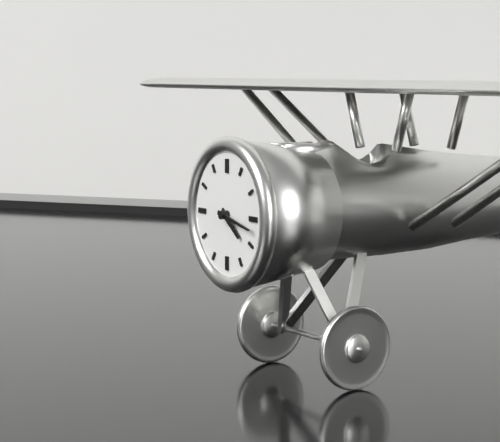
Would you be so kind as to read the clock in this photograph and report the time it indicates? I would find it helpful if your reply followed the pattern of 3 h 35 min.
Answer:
4 h 17 min
